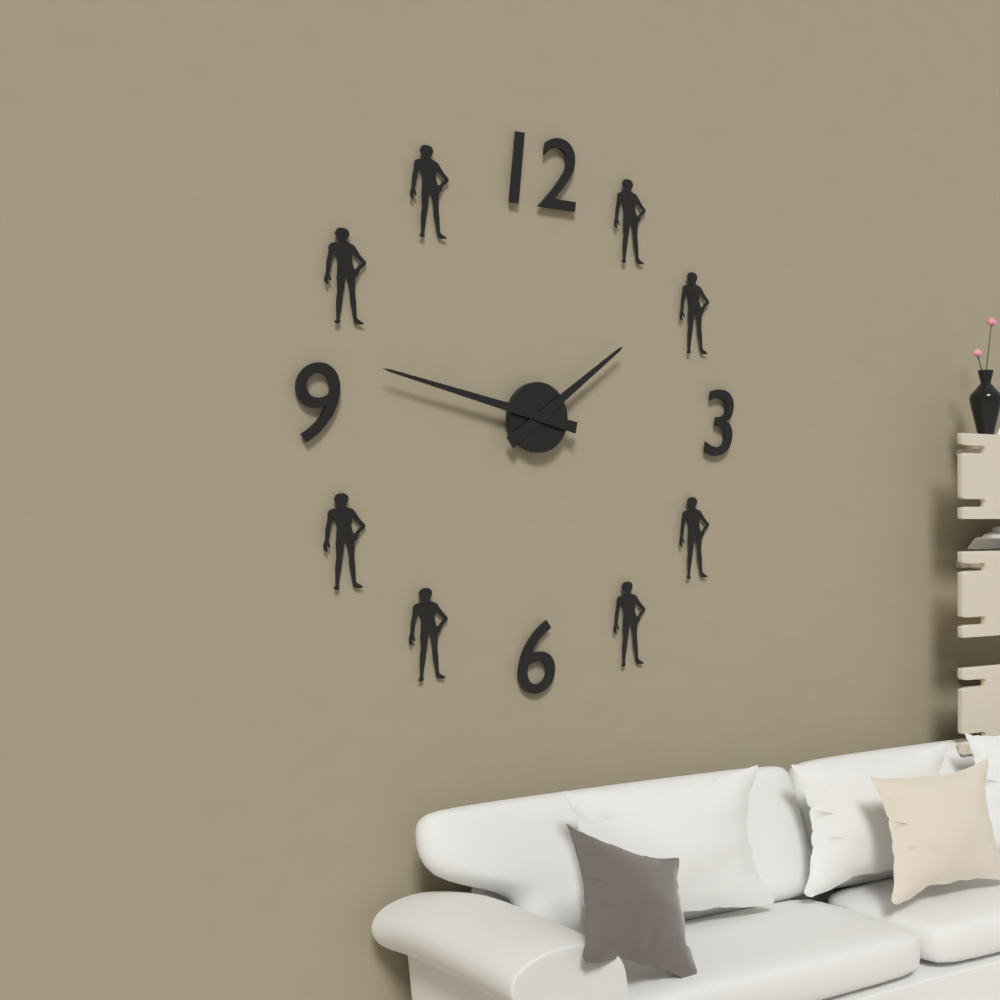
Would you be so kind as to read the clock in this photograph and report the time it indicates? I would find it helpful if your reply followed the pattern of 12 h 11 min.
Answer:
1 h 47 min
